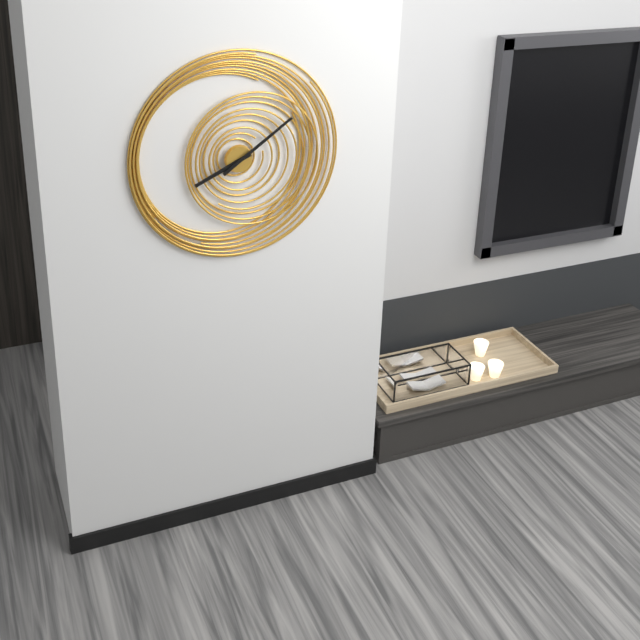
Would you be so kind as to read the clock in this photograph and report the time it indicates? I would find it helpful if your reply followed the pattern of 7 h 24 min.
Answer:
8 h 09 min
